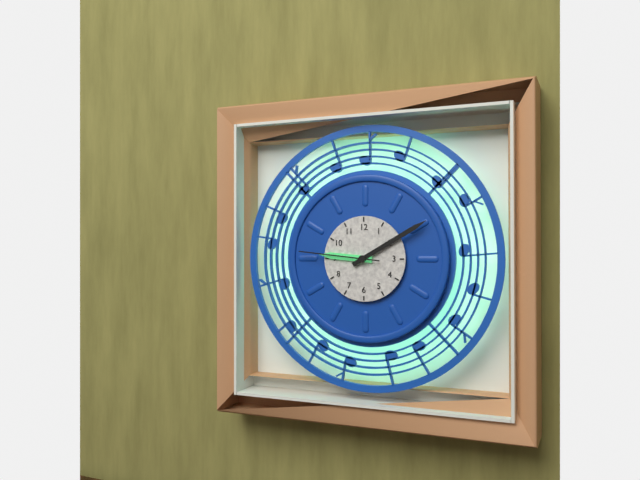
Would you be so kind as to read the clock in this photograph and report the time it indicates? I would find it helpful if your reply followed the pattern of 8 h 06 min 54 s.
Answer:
9 h 10 min 46 s
